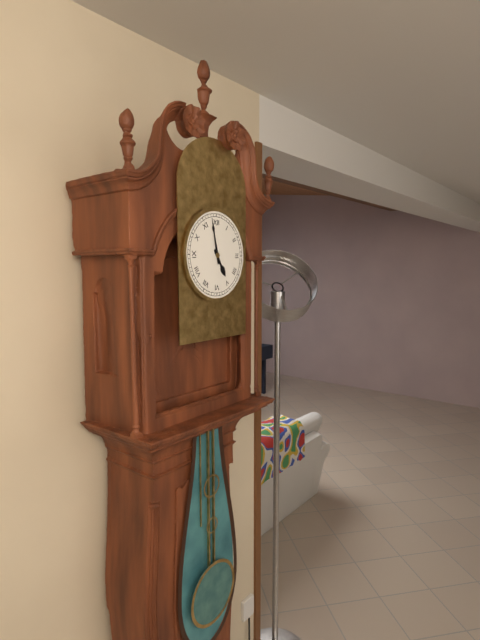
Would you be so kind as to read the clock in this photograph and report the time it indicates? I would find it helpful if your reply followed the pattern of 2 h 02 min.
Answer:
4 h 58 min
